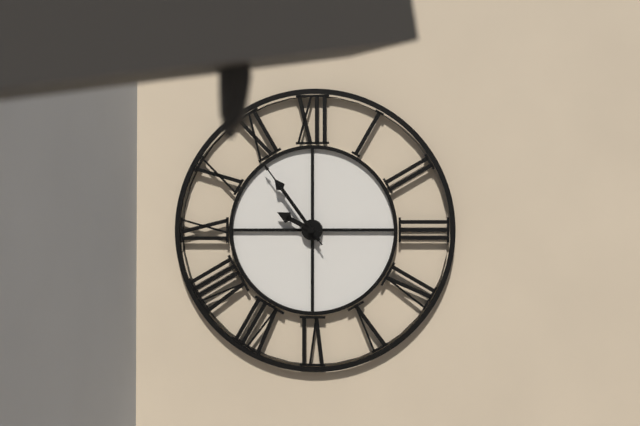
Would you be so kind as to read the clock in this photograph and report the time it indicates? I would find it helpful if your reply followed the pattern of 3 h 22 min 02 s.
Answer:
9 h 54 min 54 s
